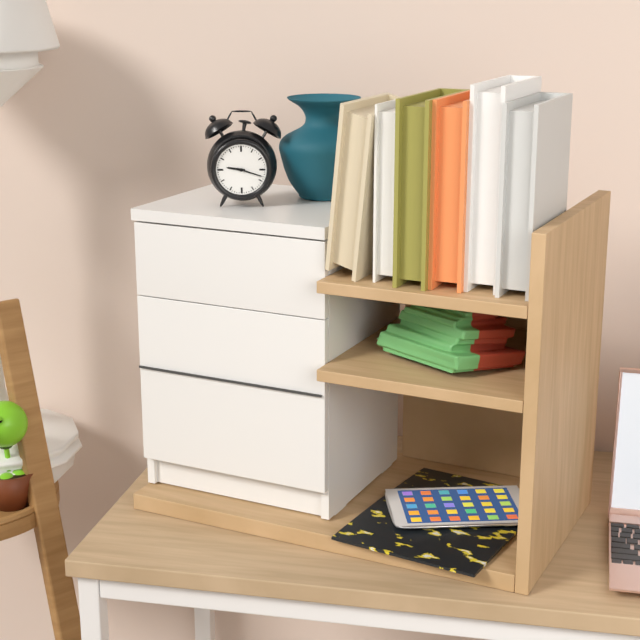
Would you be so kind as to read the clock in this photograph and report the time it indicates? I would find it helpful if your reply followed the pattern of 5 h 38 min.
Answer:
9 h 18 min
